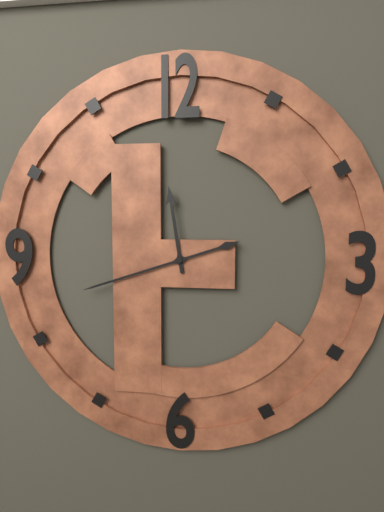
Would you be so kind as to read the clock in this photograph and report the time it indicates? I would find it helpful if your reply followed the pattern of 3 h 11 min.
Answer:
11 h 42 min
